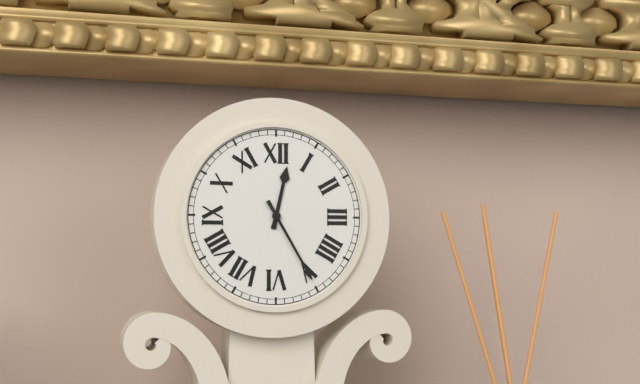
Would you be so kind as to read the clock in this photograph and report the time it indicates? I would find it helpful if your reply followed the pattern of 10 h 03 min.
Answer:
12 h 25 min
